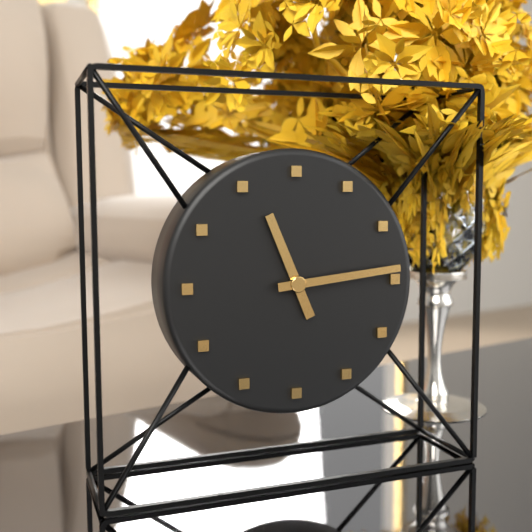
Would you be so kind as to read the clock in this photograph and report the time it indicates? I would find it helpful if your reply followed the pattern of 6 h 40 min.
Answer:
11 h 14 min
